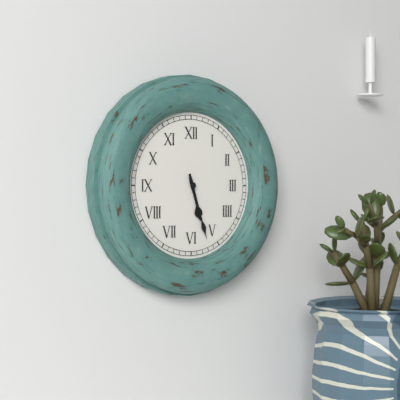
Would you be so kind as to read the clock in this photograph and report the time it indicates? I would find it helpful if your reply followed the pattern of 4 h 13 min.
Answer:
5 h 27 min
